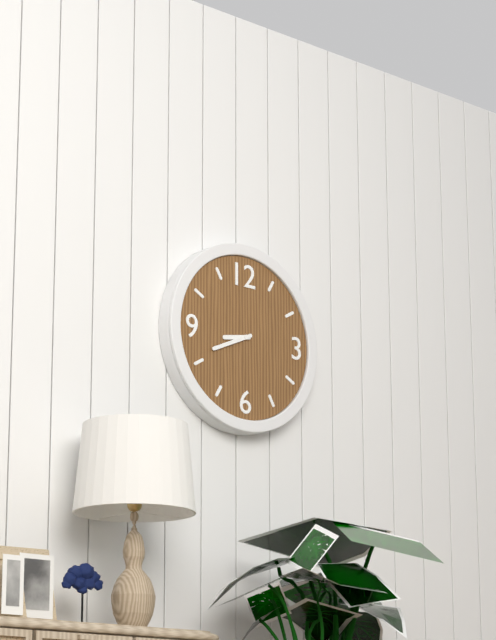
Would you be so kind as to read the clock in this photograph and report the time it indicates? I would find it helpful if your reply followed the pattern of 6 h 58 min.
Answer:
8 h 41 min
